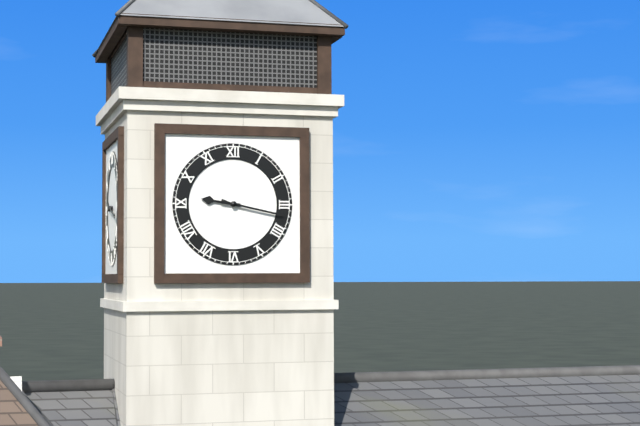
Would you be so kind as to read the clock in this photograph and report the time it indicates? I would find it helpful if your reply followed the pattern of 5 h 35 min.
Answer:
9 h 17 min
